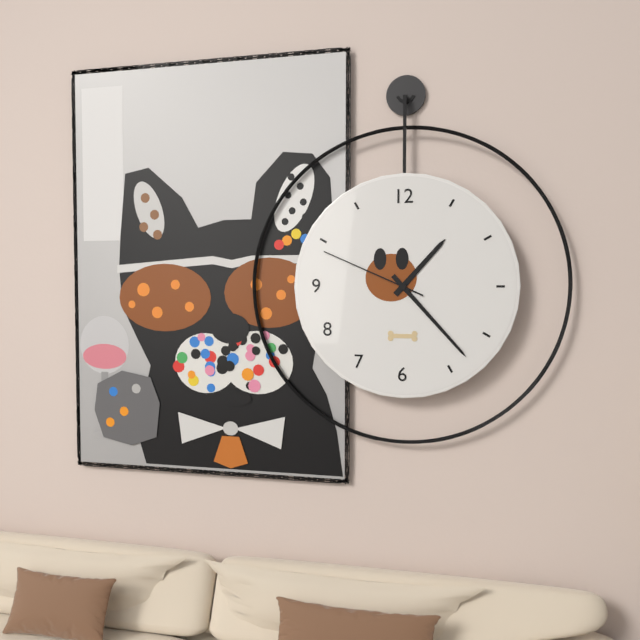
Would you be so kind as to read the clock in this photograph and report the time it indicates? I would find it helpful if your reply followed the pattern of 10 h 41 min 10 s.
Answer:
1 h 23 min 49 s
